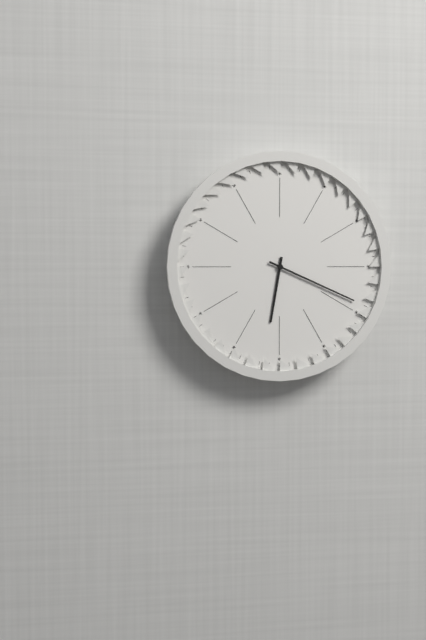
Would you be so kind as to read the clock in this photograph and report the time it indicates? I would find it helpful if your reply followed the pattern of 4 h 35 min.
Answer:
6 h 19 min
